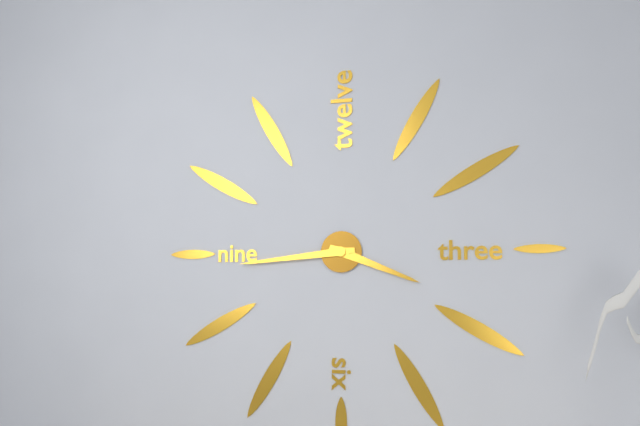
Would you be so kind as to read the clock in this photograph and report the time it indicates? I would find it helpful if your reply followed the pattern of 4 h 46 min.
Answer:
3 h 44 min
